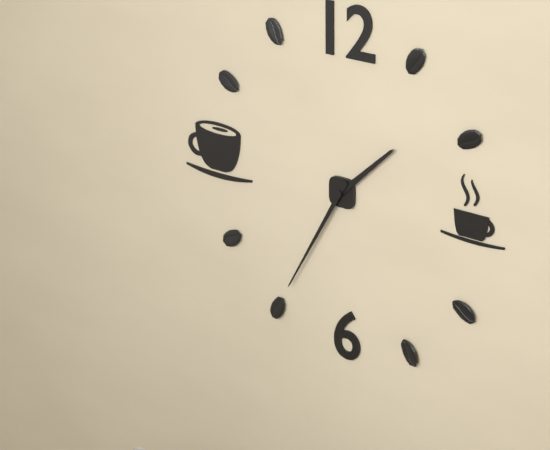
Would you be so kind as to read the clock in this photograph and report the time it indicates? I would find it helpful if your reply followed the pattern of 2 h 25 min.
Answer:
1 h 35 min
